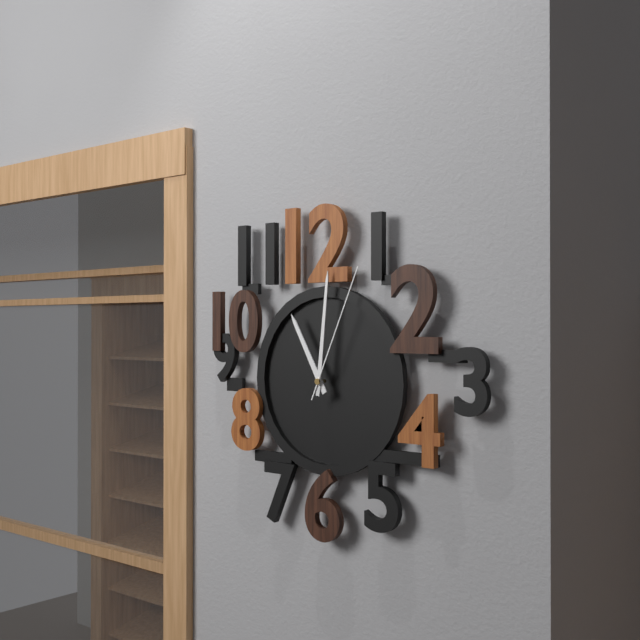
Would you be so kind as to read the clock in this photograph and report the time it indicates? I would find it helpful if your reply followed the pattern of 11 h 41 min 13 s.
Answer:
11 h 01 min 04 s
